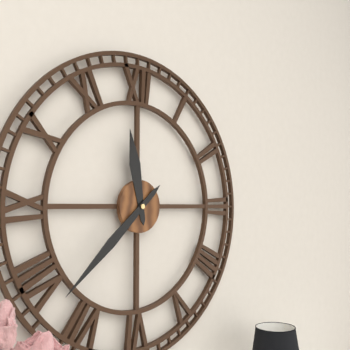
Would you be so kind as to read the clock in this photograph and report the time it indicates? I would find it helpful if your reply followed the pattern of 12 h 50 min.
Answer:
11 h 38 min
